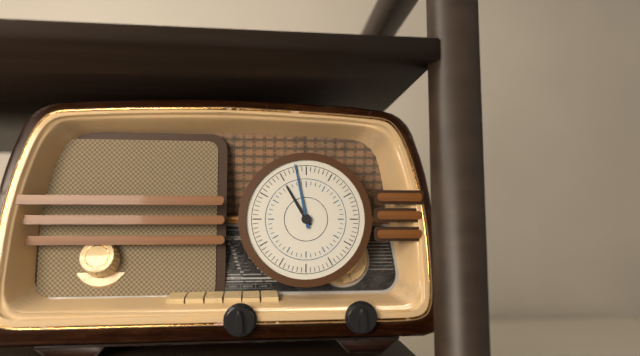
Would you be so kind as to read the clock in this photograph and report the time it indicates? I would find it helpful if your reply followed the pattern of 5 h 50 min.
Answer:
10 h 58 min
